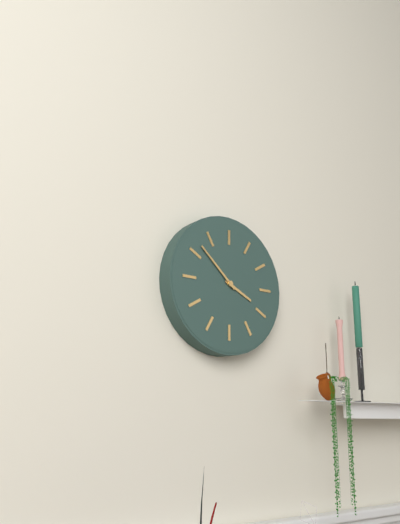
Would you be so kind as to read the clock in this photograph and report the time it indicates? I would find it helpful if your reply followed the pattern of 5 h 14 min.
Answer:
3 h 52 min
